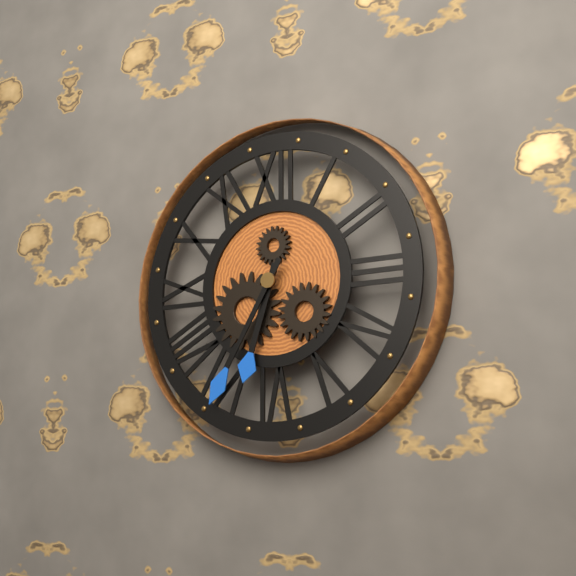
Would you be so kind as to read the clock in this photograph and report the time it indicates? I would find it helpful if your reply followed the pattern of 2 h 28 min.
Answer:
6 h 35 min
